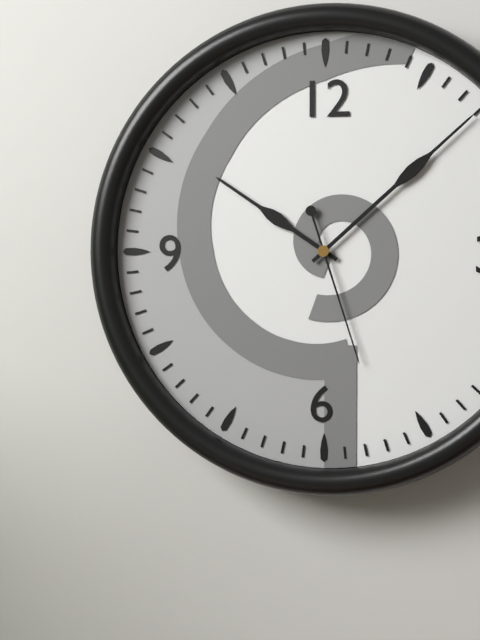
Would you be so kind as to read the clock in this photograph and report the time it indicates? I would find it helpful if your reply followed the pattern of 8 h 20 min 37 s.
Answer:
10 h 08 min 27 s
